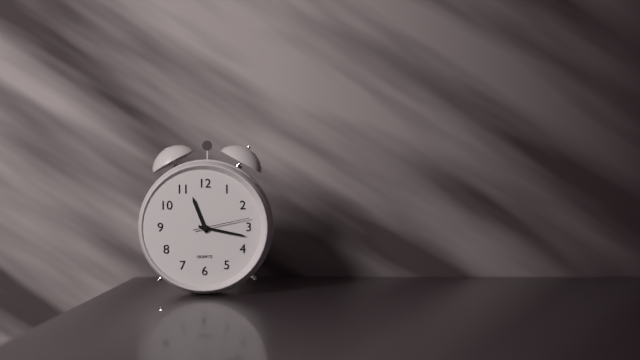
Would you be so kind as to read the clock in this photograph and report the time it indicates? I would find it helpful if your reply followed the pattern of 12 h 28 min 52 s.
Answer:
11 h 17 min 13 s
